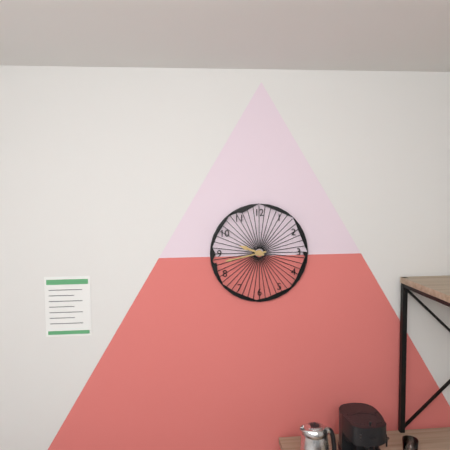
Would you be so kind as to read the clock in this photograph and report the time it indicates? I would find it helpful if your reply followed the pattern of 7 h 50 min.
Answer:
9 h 43 min
